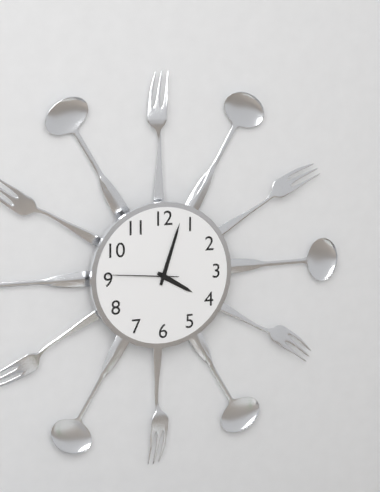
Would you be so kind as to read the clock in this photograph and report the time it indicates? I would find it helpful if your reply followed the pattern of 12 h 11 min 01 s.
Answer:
4 h 03 min 46 s
